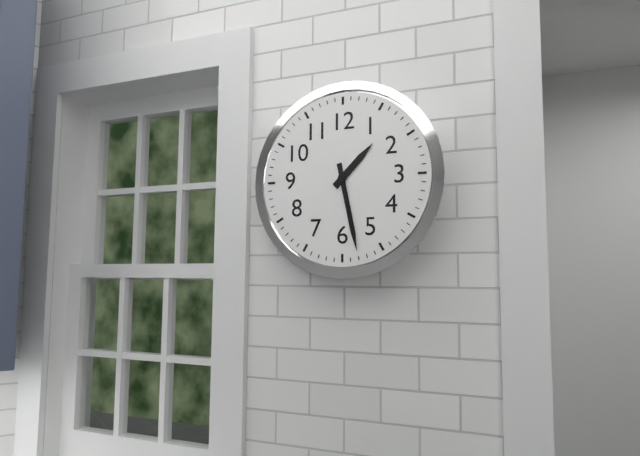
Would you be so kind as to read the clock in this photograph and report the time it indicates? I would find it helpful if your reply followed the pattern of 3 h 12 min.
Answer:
1 h 28 min
